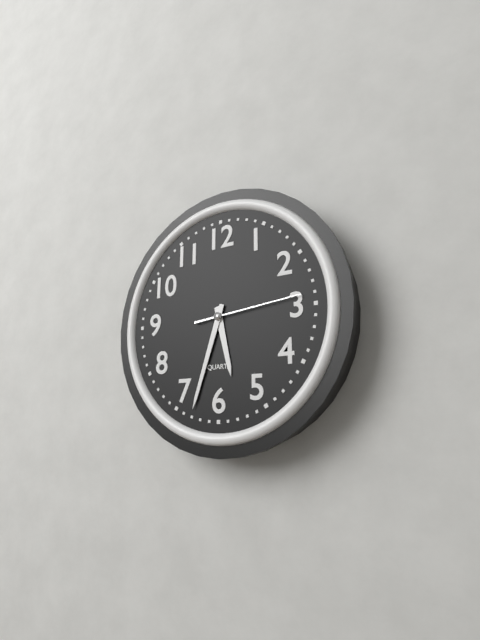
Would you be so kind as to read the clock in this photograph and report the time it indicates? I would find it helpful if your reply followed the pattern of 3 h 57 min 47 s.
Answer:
5 h 33 min 14 s
